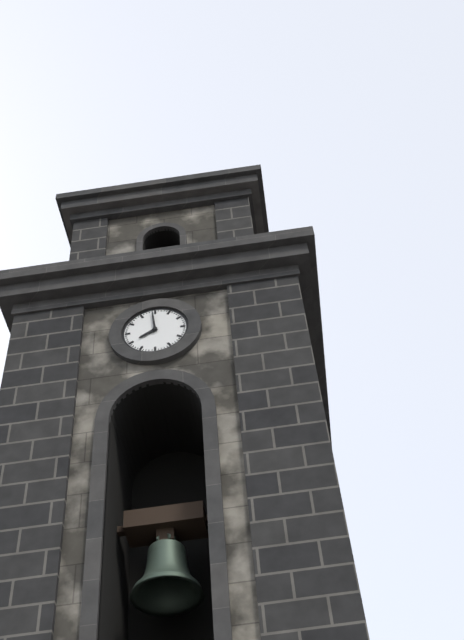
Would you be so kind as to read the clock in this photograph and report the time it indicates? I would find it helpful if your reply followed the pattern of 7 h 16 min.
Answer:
7 h 59 min
